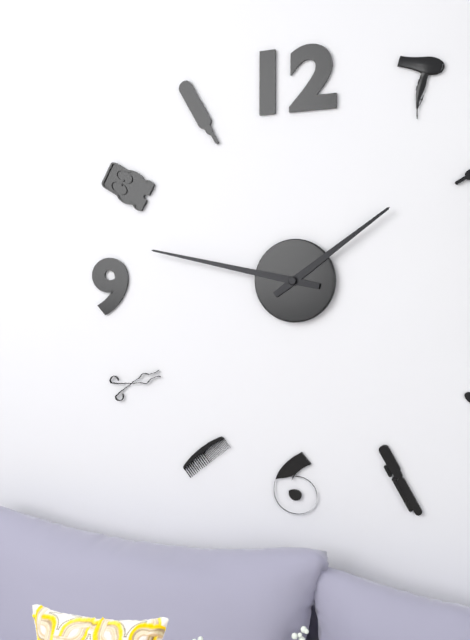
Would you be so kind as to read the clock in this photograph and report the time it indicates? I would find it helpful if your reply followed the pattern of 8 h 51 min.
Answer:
1 h 47 min
